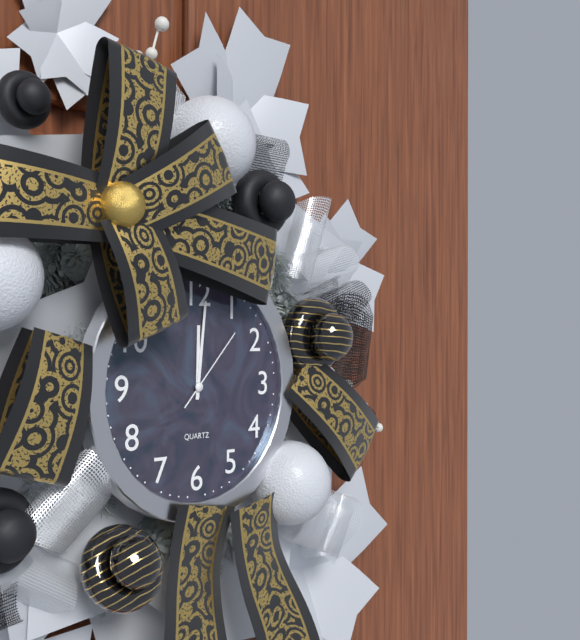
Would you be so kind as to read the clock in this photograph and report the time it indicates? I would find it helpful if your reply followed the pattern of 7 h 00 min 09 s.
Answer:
12 h 01 min 07 s
